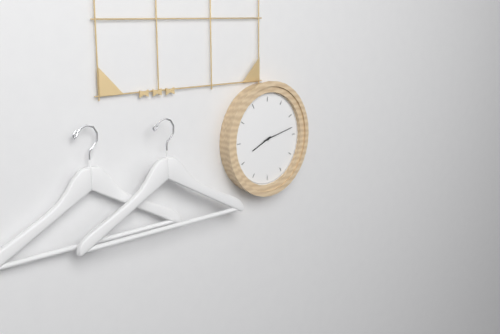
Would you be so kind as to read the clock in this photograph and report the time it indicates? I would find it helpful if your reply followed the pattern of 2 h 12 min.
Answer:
8 h 13 min
